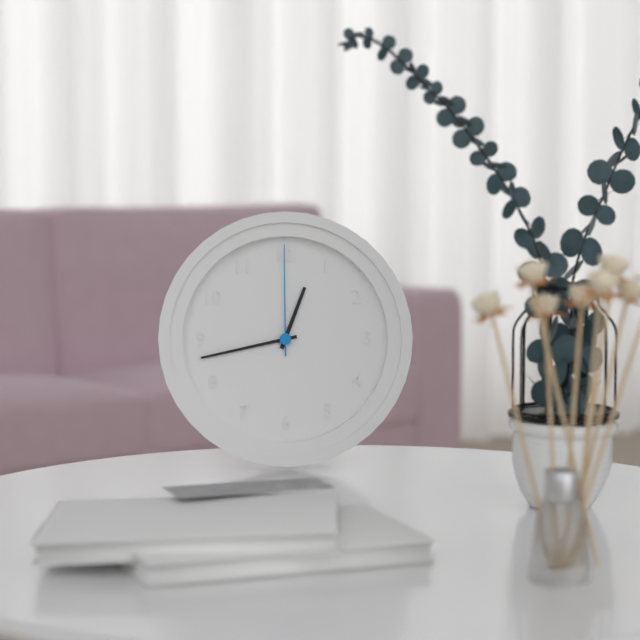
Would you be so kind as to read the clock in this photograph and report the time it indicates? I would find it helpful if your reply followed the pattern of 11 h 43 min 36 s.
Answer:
12 h 43 min 00 s
